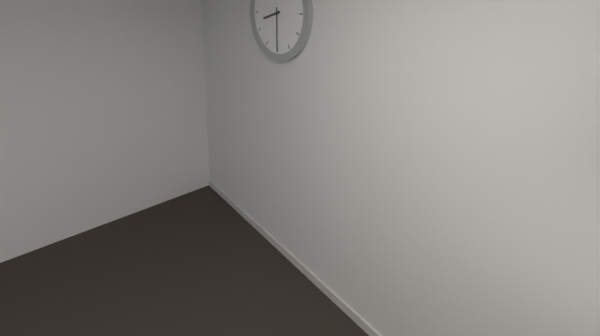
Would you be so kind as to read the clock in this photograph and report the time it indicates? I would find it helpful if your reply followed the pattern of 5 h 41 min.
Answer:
8 h 30 min
